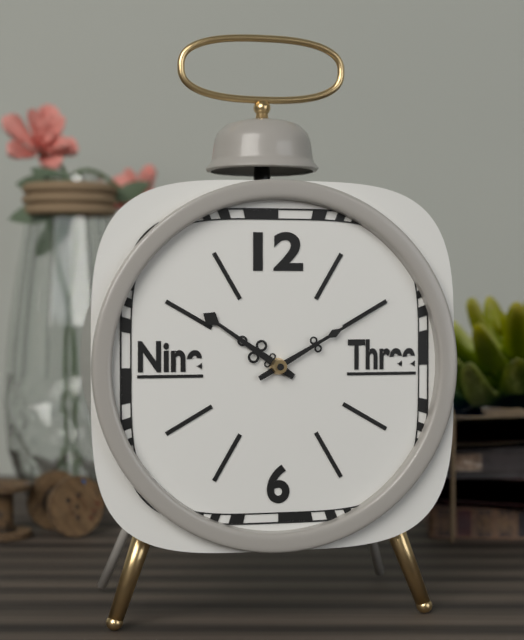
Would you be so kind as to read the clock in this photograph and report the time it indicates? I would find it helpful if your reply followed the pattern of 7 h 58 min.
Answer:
10 h 10 min
